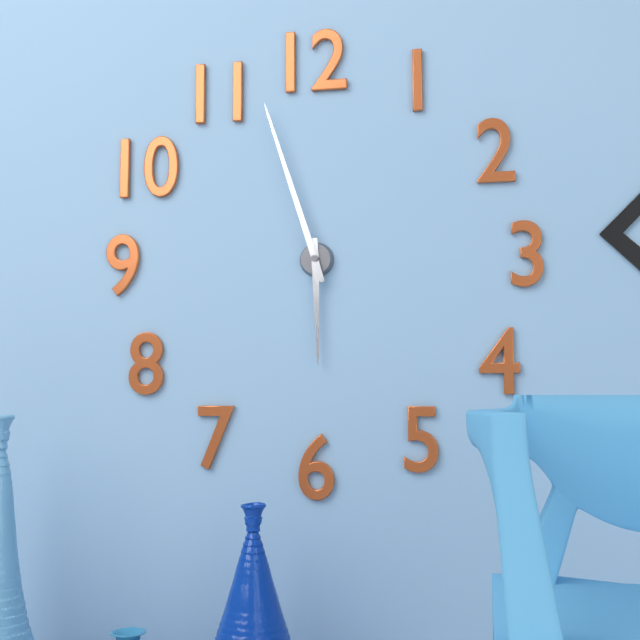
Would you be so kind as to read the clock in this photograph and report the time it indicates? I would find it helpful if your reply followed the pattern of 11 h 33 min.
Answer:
5 h 57 min
